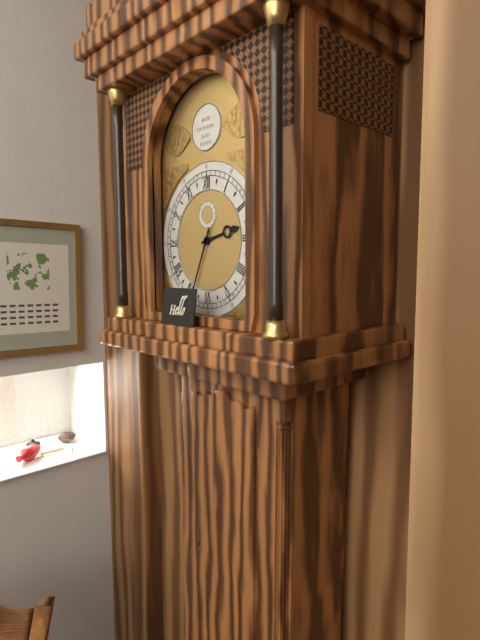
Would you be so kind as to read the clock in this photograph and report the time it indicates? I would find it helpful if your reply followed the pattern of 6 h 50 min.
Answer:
2 h 34 min
